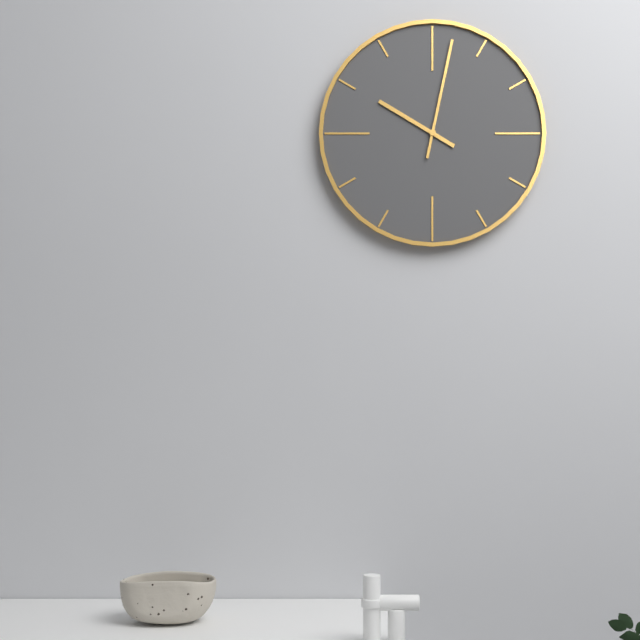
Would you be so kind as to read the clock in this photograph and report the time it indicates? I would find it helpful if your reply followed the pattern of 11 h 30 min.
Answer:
10 h 02 min
